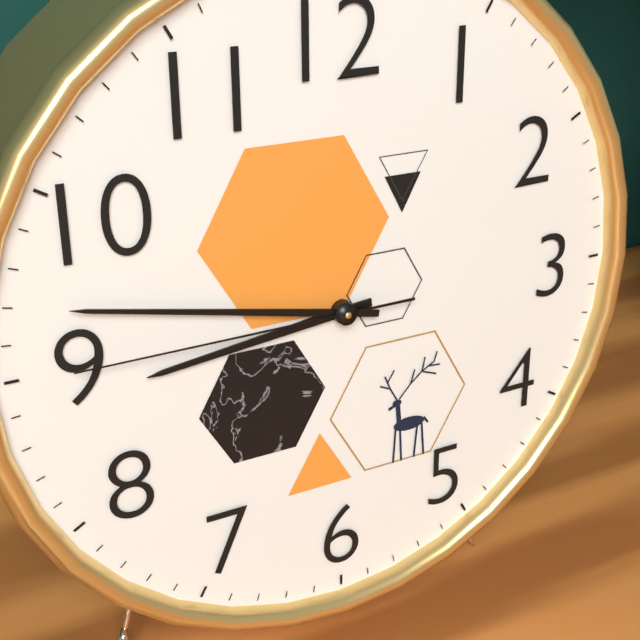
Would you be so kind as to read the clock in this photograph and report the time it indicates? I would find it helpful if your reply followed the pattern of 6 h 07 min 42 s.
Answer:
8 h 47 min 45 s
